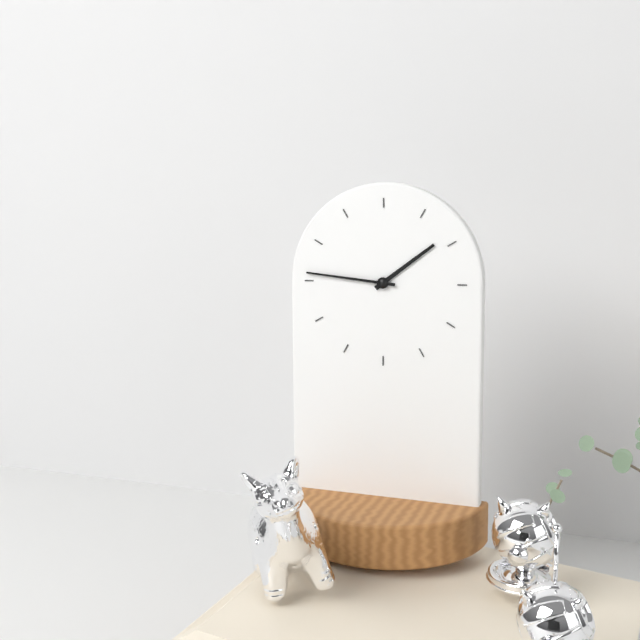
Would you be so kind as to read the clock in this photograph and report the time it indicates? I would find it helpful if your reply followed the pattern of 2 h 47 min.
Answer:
1 h 46 min
